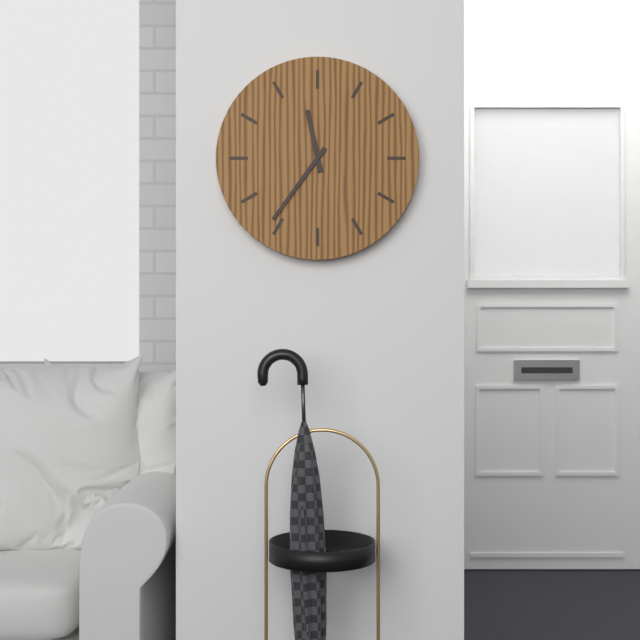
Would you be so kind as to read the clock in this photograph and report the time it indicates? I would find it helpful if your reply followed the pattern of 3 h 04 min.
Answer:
11 h 36 min
